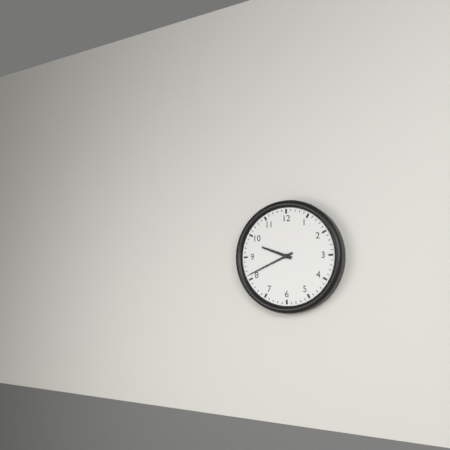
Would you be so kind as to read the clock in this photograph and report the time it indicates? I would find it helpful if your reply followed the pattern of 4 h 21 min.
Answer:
9 h 41 min
